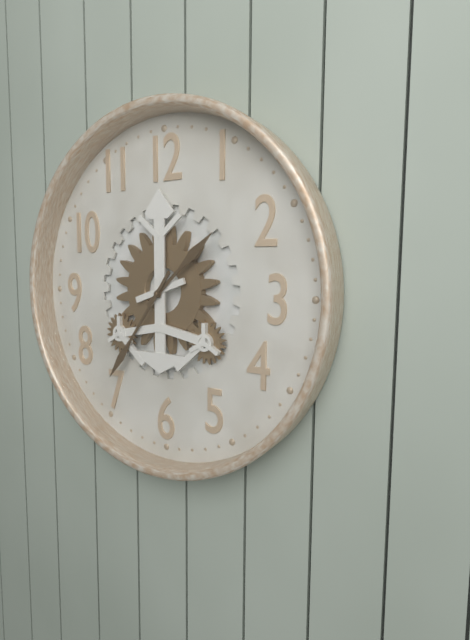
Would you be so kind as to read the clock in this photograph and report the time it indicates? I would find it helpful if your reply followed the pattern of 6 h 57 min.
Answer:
1 h 36 min
